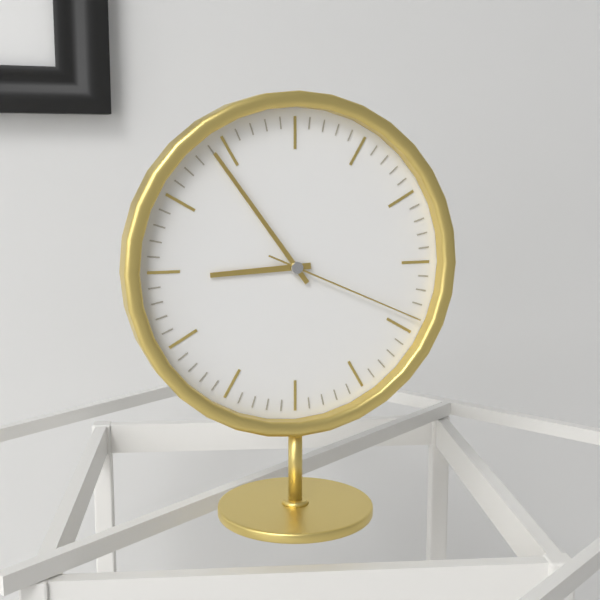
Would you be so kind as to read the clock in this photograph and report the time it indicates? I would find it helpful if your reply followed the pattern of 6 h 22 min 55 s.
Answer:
8 h 54 min 19 s
